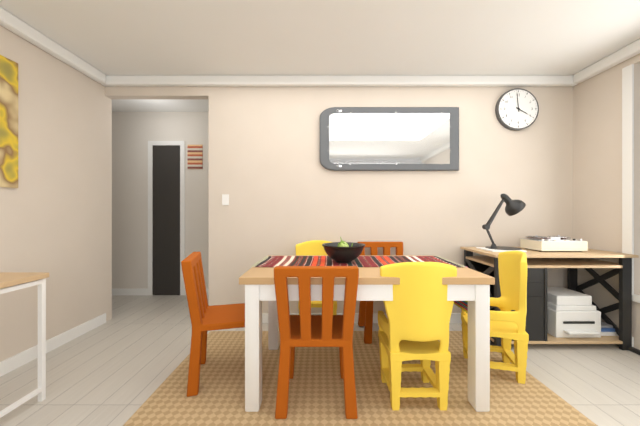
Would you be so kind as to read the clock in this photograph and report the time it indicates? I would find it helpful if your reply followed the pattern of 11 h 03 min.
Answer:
3 h 59 min
